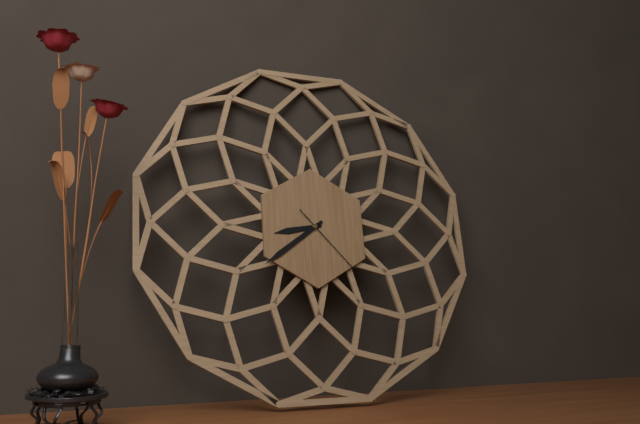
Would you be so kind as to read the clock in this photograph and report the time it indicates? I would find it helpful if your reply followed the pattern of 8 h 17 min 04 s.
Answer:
8 h 39 min 23 s
